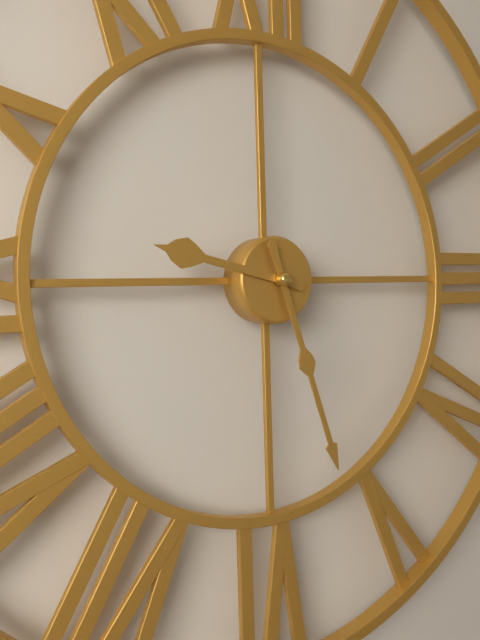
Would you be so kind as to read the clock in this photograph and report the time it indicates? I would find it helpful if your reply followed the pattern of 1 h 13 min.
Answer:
9 h 27 min
